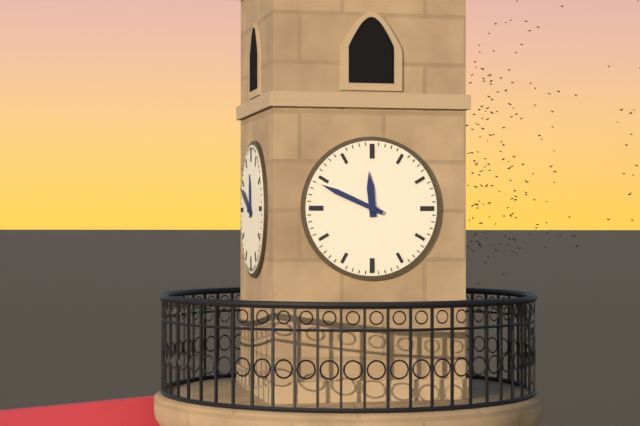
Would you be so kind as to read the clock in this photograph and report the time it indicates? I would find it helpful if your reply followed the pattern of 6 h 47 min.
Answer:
11 h 49 min
